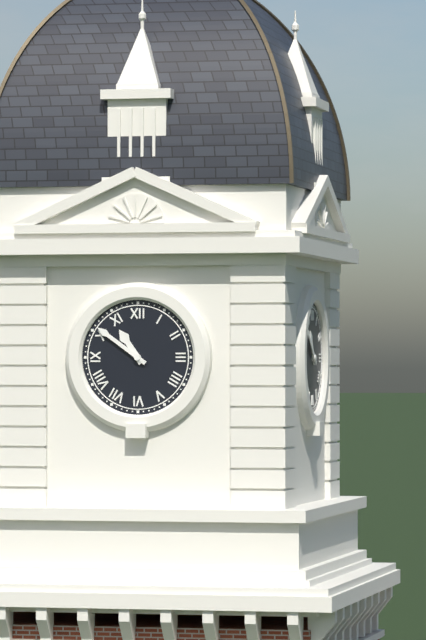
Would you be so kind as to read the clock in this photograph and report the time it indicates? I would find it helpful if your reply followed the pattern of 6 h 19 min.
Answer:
10 h 51 min
